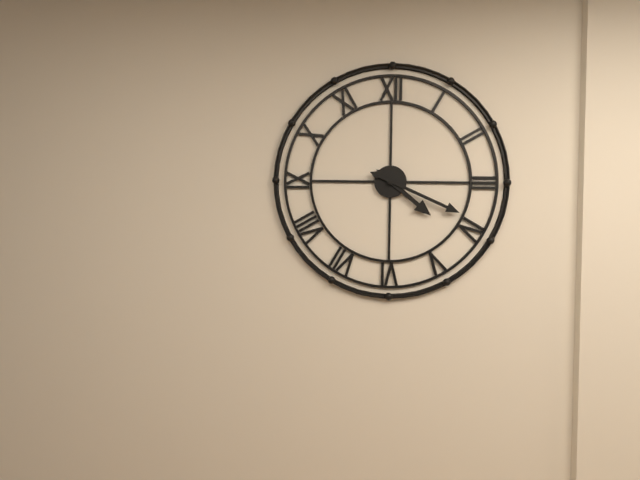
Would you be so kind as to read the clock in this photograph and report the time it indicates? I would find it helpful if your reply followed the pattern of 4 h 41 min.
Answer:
4 h 19 min
